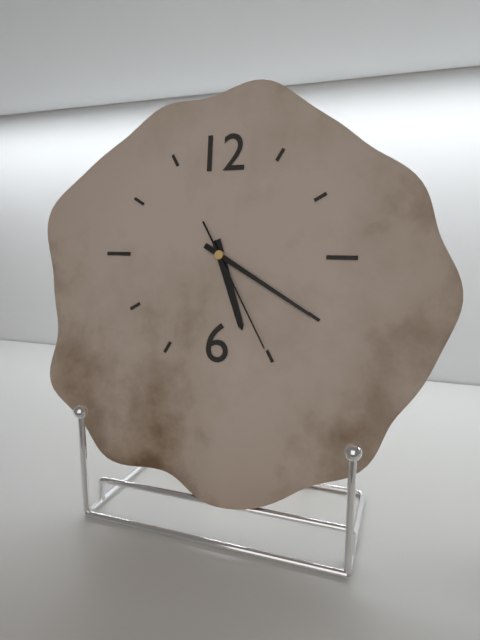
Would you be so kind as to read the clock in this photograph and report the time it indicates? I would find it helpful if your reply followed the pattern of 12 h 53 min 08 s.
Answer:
5 h 20 min 25 s
